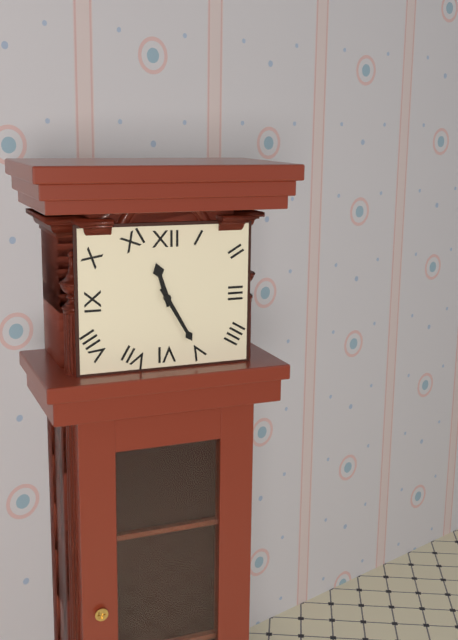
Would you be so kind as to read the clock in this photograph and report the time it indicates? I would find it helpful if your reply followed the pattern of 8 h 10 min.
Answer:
11 h 25 min
